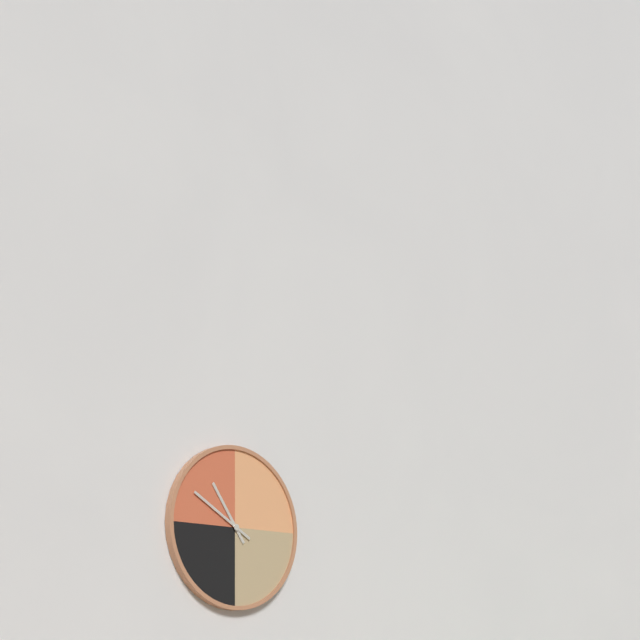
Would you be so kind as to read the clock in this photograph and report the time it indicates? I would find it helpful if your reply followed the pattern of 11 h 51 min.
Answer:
10 h 50 min
